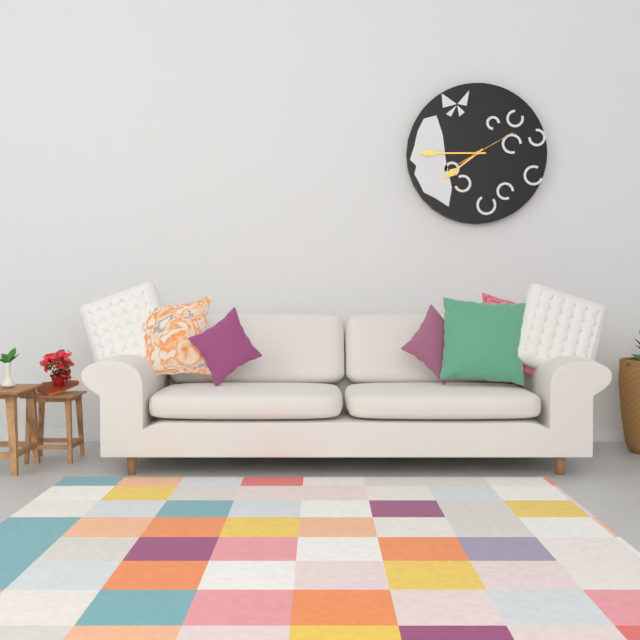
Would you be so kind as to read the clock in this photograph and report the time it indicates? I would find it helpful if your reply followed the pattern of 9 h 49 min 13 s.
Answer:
7 h 45 min 10 s
